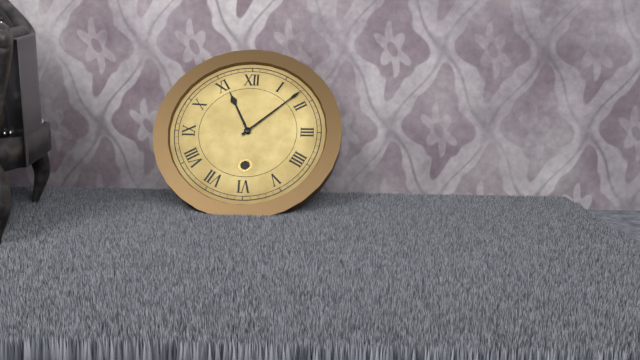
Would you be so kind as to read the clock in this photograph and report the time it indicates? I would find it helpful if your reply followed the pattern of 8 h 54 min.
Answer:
11 h 08 min
